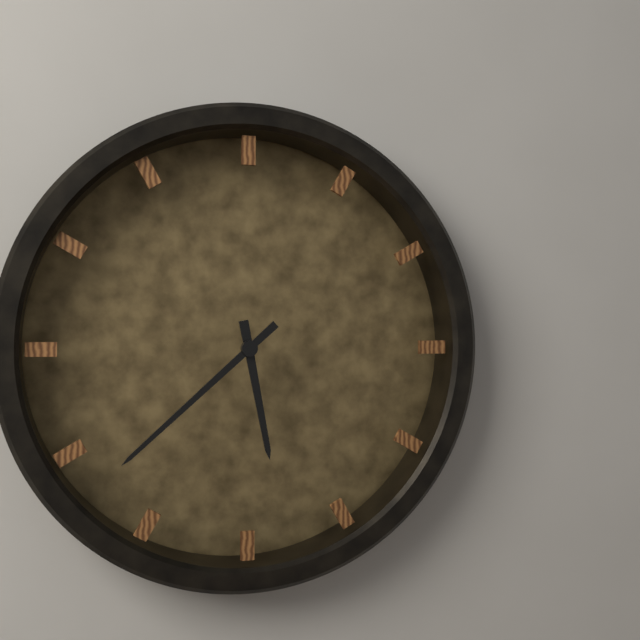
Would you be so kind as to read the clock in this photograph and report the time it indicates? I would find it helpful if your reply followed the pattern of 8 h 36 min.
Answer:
5 h 38 min
